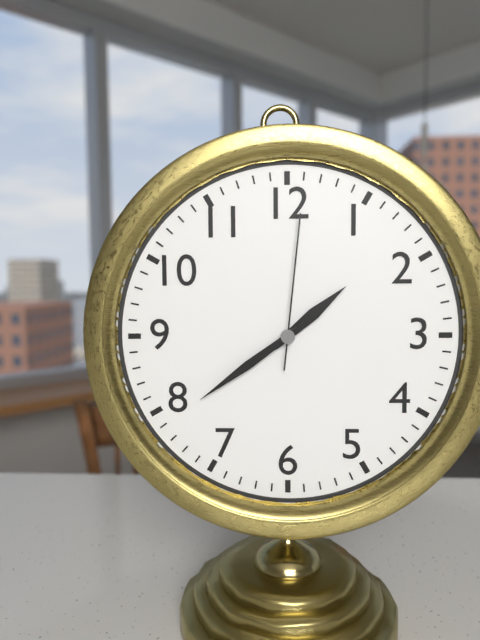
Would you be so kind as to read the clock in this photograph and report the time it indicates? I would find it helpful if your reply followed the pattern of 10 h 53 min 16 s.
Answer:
1 h 39 min 01 s
